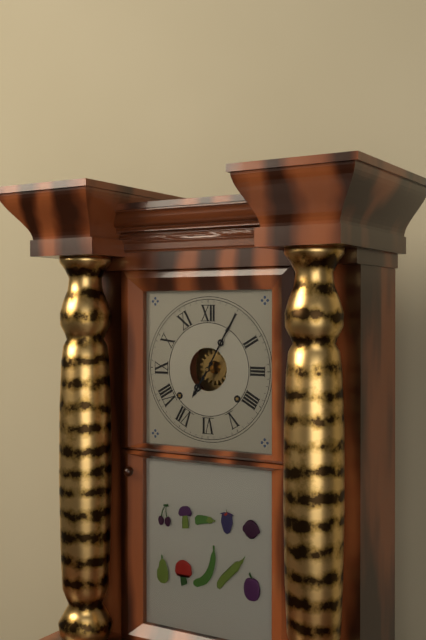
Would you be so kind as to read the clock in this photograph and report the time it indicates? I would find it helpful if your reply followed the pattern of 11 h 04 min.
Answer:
7 h 05 min
